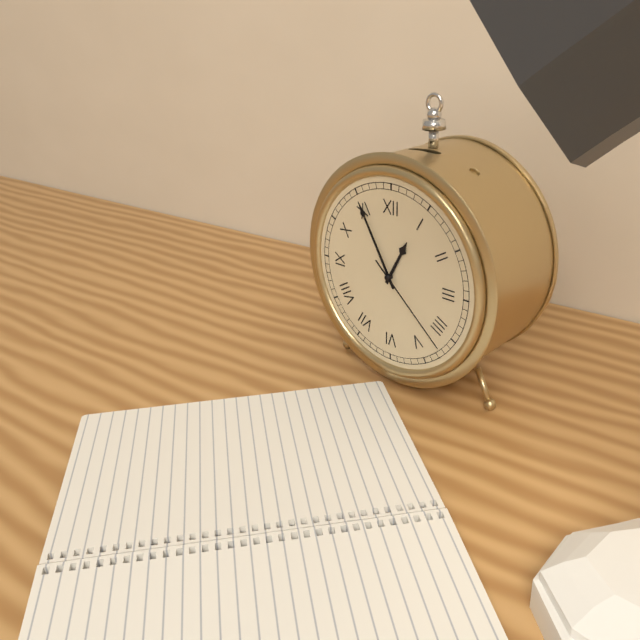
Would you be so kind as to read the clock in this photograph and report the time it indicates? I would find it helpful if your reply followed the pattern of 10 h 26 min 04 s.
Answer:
12 h 55 min 22 s
